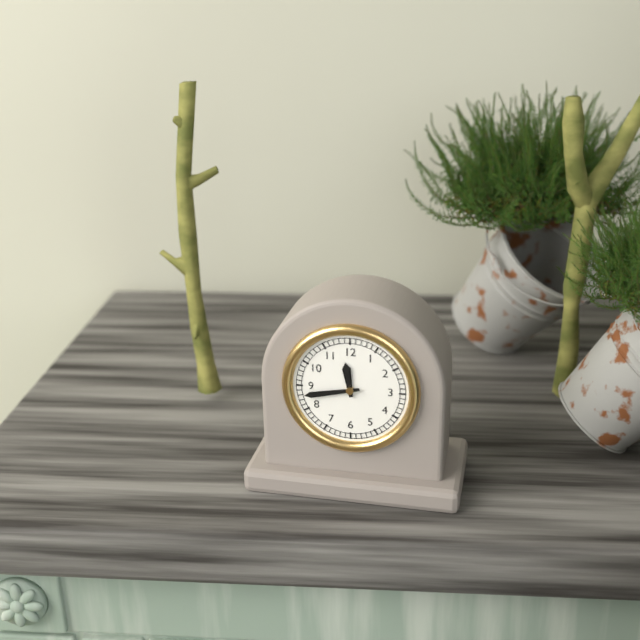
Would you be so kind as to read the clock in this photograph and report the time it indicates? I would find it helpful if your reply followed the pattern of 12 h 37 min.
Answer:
11 h 43 min
